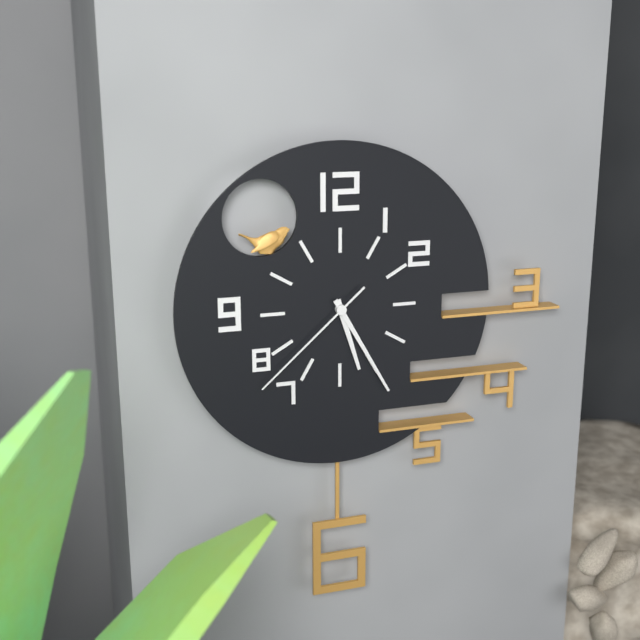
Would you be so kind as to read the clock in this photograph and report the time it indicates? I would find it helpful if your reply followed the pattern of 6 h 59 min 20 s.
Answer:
5 h 25 min 38 s
